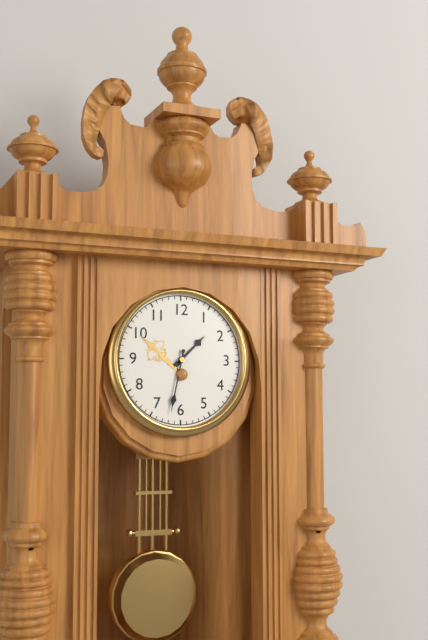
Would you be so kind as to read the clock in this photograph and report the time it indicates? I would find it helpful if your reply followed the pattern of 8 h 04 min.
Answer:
1 h 32 min
